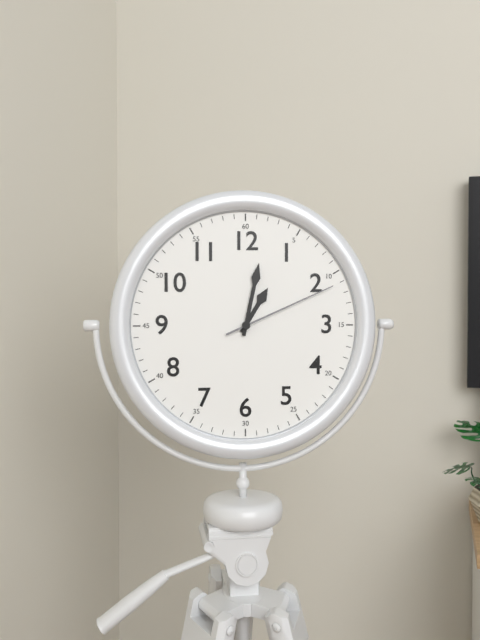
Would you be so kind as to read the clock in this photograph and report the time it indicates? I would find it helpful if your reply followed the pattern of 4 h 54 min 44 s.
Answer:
1 h 02 min 11 s
